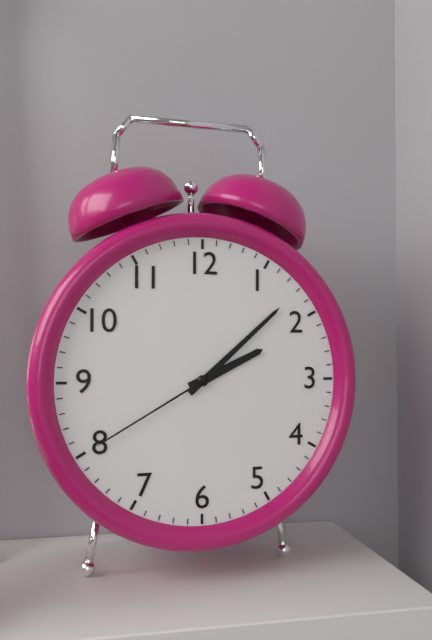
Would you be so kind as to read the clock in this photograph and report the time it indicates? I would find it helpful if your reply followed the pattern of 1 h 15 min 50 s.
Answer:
2 h 08 min 40 s
